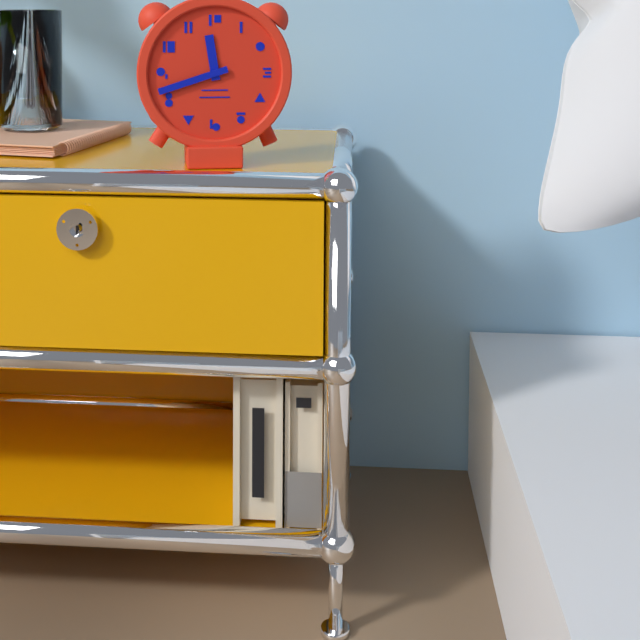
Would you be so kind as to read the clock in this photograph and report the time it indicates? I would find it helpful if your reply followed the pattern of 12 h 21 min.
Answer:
11 h 42 min
